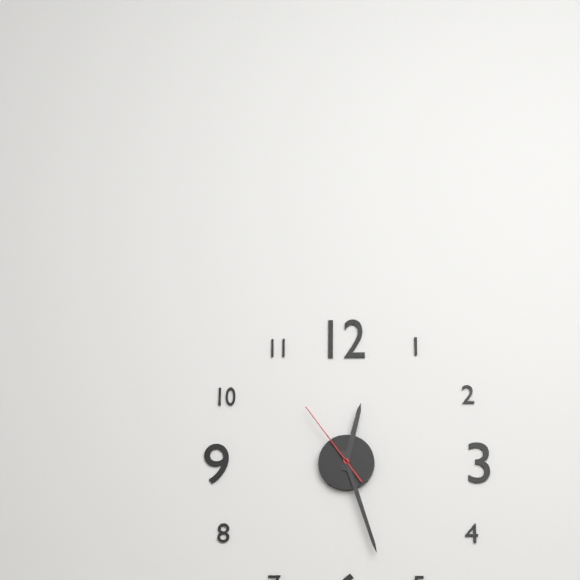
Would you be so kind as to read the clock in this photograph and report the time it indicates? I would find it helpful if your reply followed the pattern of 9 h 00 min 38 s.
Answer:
12 h 27 min 54 s
